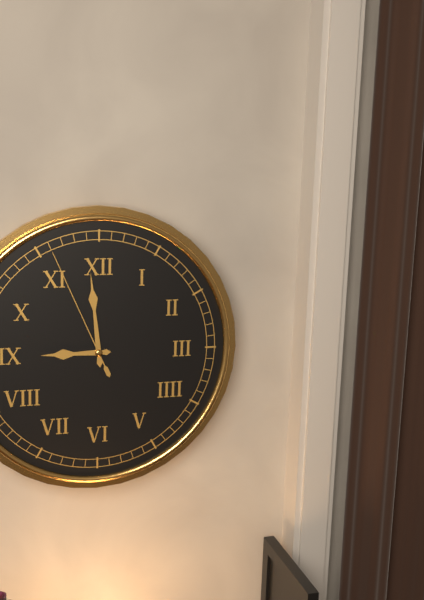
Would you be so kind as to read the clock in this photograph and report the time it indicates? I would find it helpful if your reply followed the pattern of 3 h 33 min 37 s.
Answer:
8 h 59 min 56 s
